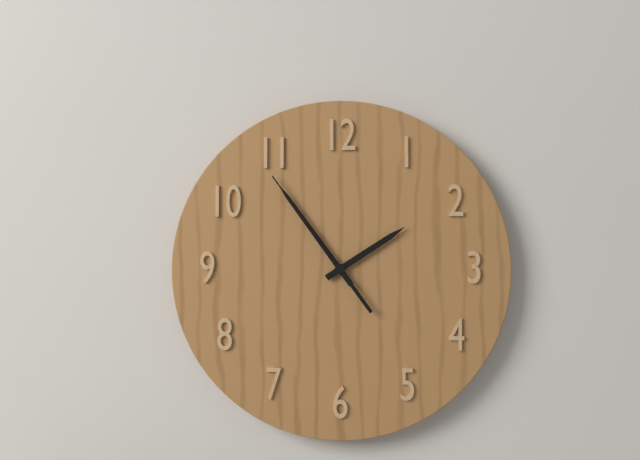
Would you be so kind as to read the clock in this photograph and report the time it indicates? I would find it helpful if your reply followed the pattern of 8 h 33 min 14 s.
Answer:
1 h 54 min 54 s
